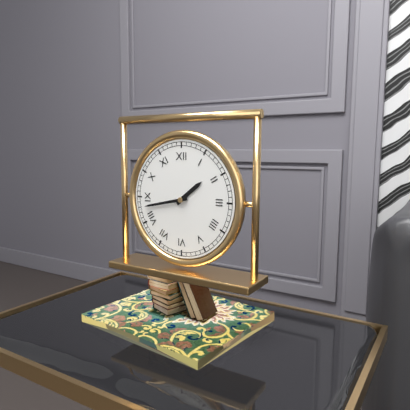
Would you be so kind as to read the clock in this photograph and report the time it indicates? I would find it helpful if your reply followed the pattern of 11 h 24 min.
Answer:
1 h 43 min
